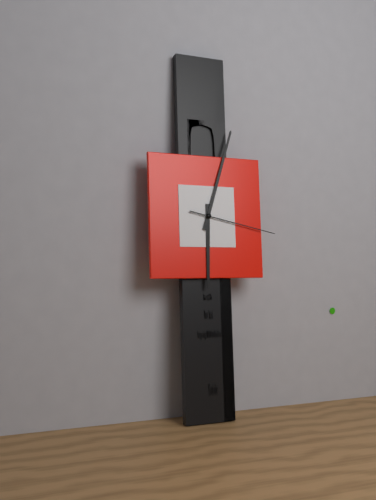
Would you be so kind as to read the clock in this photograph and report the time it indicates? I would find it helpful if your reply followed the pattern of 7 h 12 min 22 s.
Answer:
6 h 03 min 17 s
